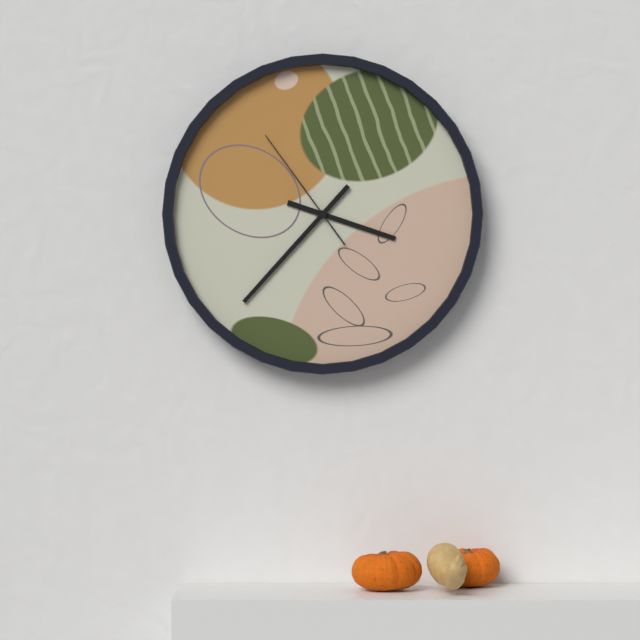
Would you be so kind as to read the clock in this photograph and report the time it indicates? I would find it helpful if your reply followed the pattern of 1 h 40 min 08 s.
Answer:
3 h 37 min 54 s
